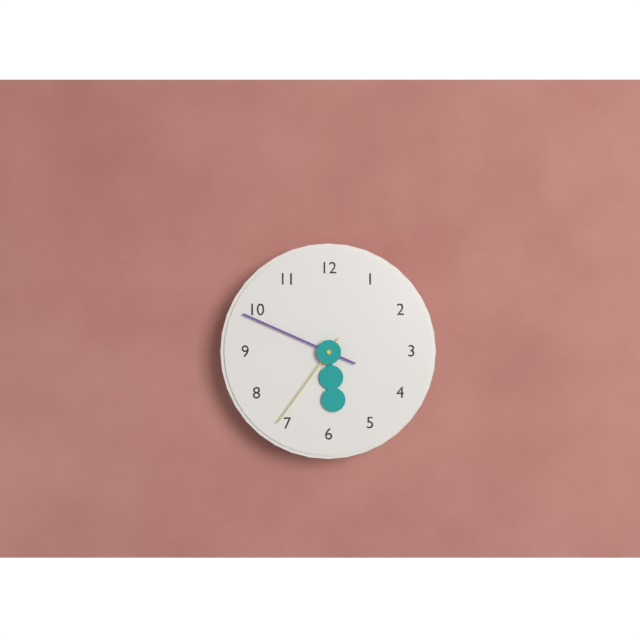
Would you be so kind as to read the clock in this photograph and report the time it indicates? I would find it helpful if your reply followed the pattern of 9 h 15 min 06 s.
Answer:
5 h 49 min 36 s
